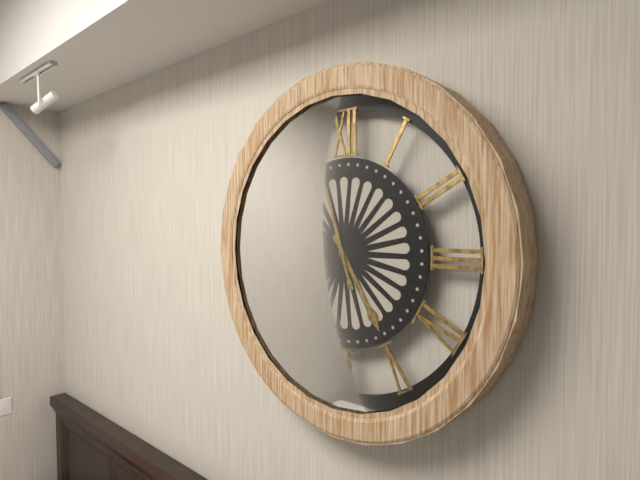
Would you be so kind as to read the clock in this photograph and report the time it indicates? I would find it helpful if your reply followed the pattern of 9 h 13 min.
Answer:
4 h 57 min
